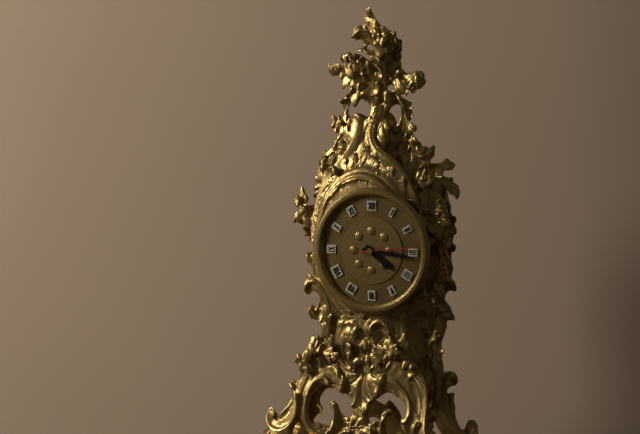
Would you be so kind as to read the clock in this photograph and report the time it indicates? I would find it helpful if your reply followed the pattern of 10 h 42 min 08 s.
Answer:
4 h 16 min 14 s
